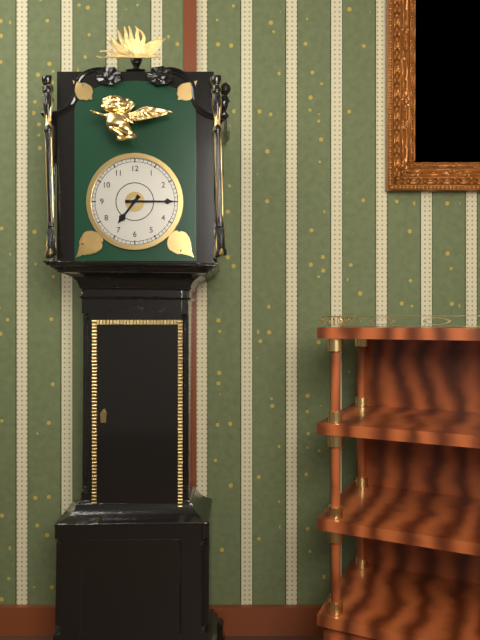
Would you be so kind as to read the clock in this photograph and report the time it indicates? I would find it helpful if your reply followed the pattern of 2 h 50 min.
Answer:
7 h 15 min
